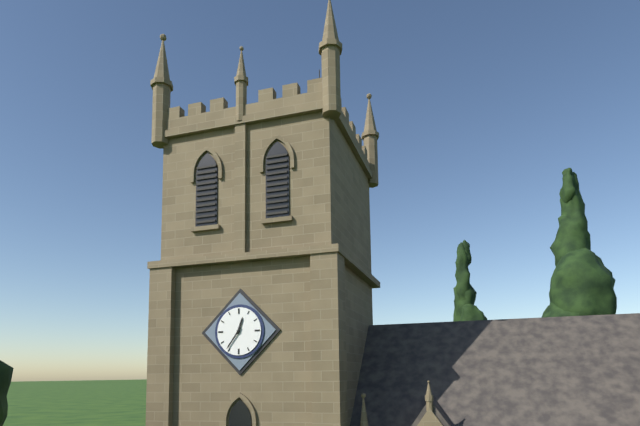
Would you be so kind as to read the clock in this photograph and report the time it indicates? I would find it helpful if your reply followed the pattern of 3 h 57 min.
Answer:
12 h 36 min
